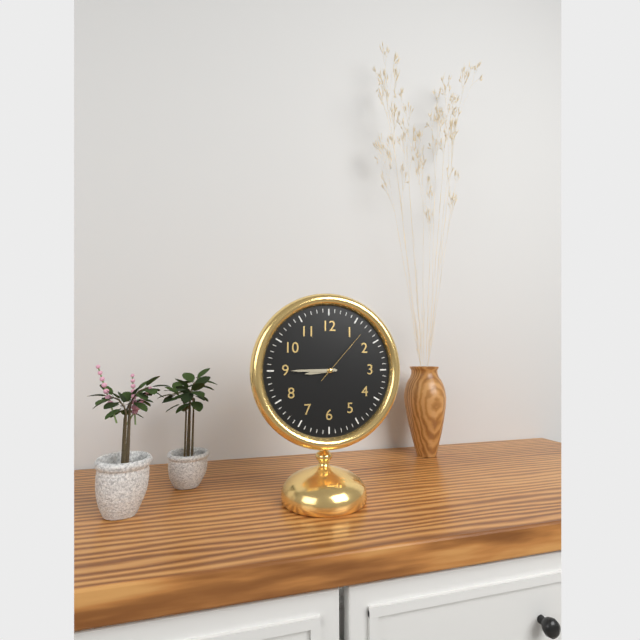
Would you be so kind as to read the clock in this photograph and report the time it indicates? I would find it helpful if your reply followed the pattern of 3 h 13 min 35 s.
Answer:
8 h 45 min 07 s
